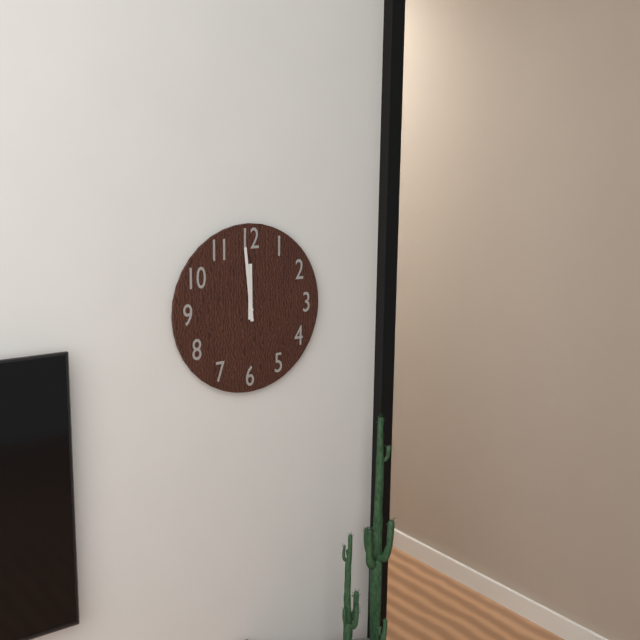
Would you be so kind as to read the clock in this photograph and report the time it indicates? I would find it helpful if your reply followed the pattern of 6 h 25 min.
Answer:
11 h 59 min
